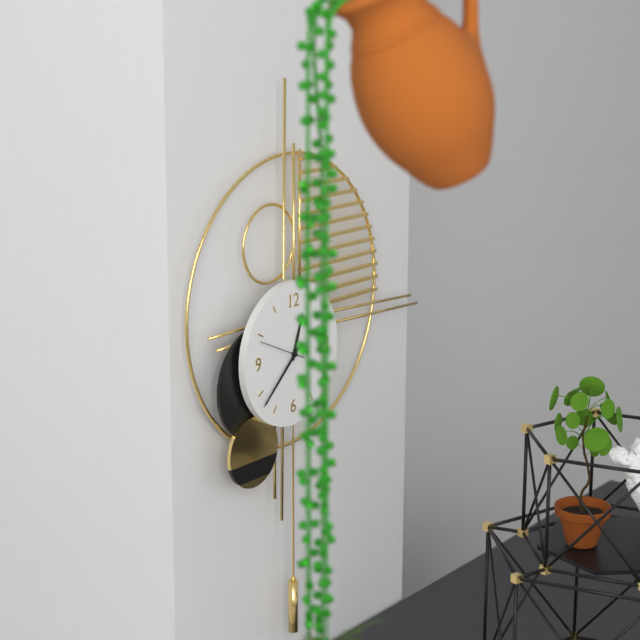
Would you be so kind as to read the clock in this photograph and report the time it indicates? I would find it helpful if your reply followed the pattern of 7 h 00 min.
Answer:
12 h 38 min
